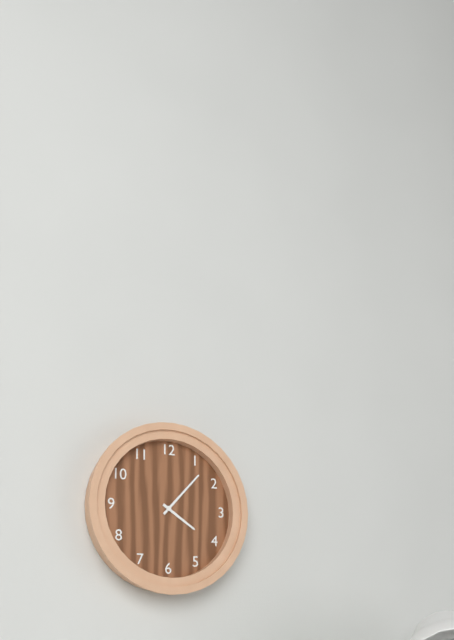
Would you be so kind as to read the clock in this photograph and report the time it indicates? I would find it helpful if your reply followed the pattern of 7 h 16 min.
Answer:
4 h 07 min
